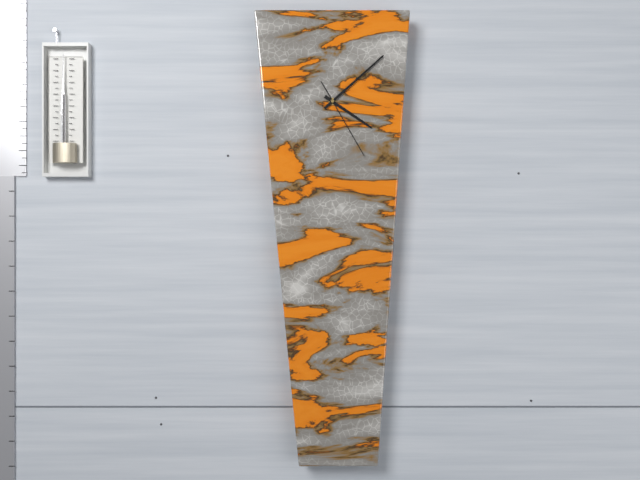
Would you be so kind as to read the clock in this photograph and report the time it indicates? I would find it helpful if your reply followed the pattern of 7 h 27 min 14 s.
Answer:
4 h 08 min 25 s
